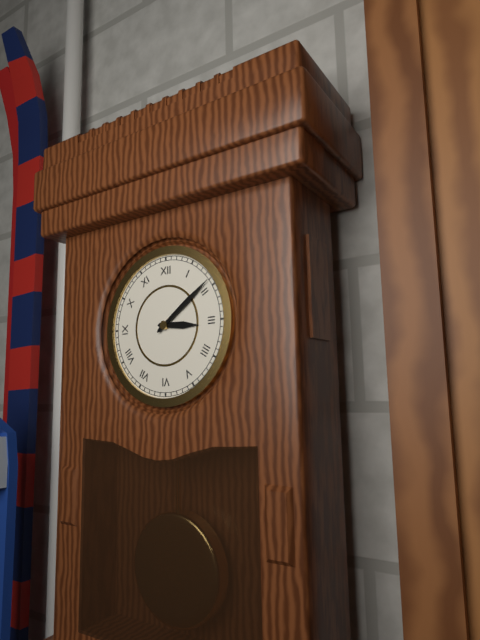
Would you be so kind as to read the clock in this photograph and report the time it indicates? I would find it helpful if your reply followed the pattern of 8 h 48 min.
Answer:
3 h 09 min
